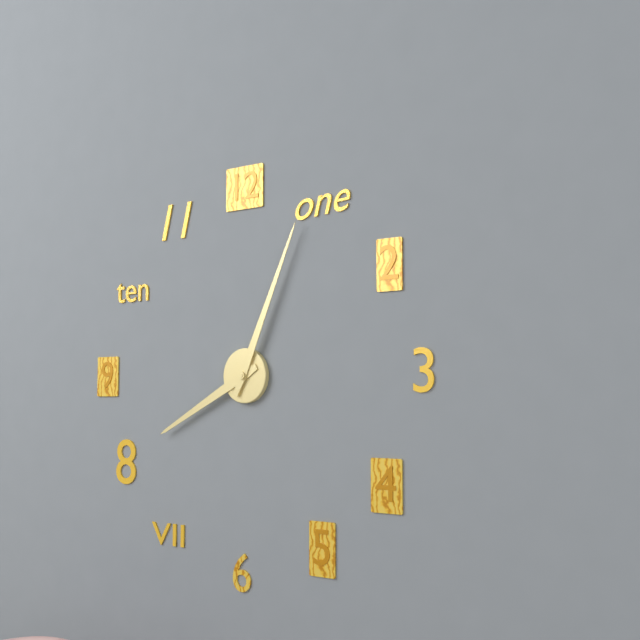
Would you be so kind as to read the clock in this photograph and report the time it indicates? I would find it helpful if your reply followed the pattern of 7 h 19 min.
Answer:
8 h 04 min
